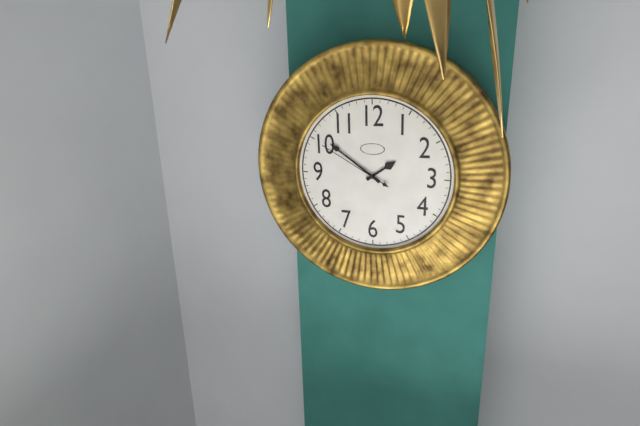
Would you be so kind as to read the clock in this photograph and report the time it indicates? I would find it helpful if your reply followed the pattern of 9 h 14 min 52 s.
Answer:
1 h 51 min 50 s
